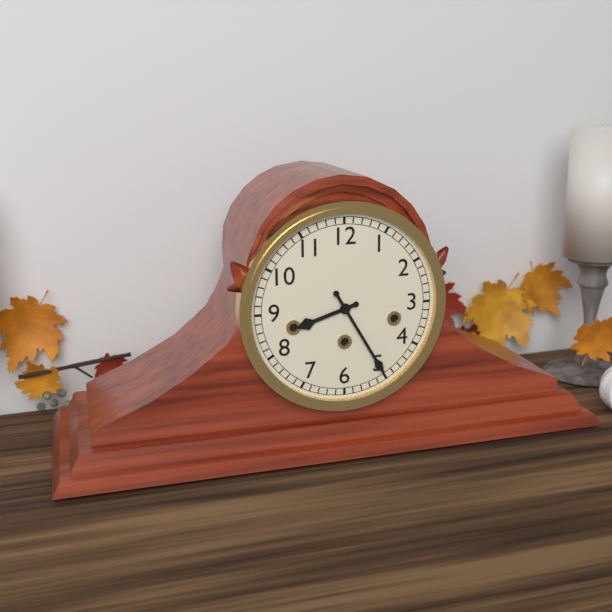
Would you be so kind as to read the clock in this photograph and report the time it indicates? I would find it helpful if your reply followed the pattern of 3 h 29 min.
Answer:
8 h 25 min
